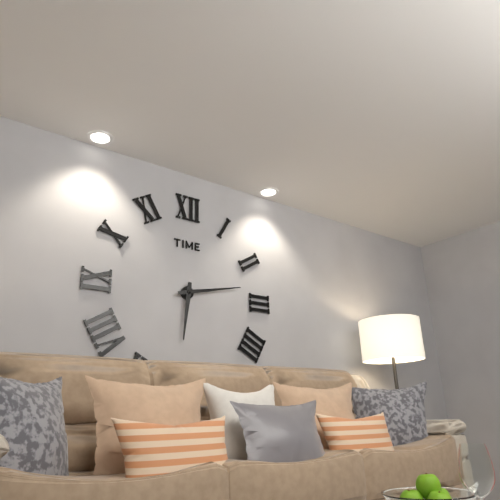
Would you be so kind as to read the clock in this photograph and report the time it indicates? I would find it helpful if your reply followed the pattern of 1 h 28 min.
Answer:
6 h 13 min
